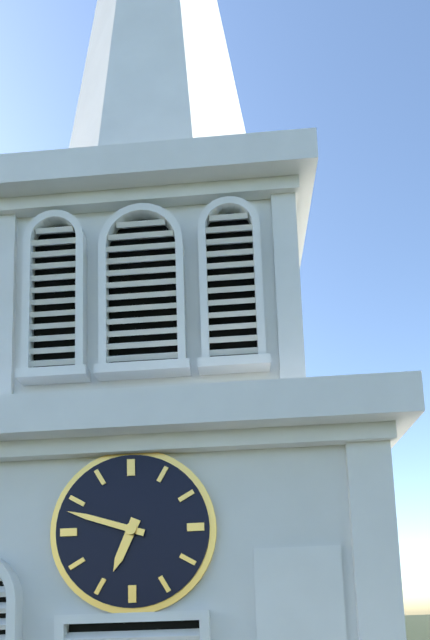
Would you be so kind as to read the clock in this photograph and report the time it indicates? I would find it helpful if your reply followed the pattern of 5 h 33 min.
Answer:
6 h 48 min
